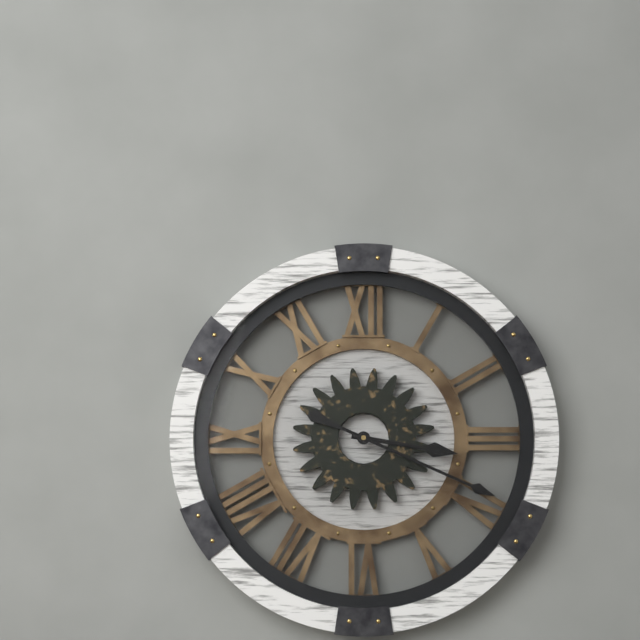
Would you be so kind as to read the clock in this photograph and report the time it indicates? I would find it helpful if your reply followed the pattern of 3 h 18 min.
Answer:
3 h 19 min
